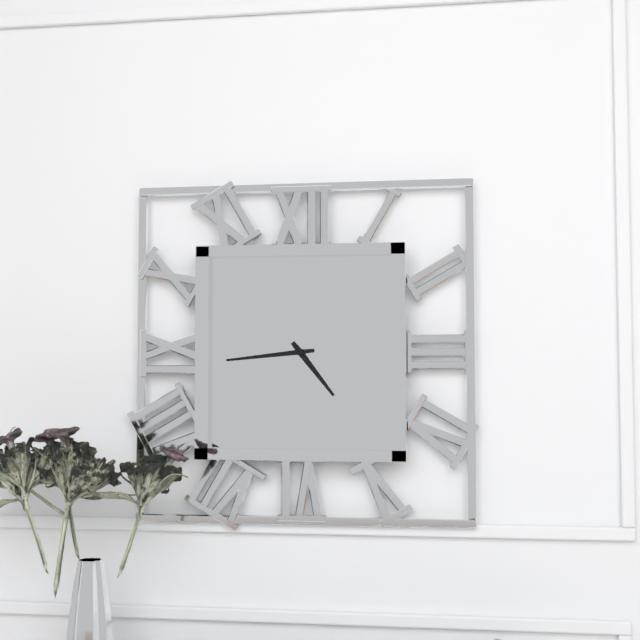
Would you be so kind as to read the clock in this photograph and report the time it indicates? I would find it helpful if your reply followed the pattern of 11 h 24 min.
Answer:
4 h 44 min
